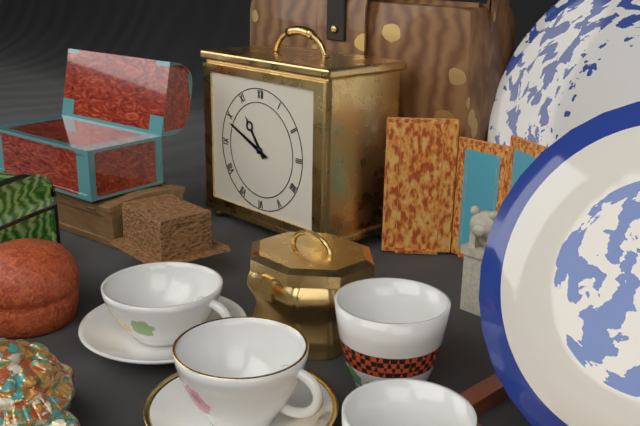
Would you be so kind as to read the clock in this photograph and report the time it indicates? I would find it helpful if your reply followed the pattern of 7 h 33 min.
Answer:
10 h 49 min
